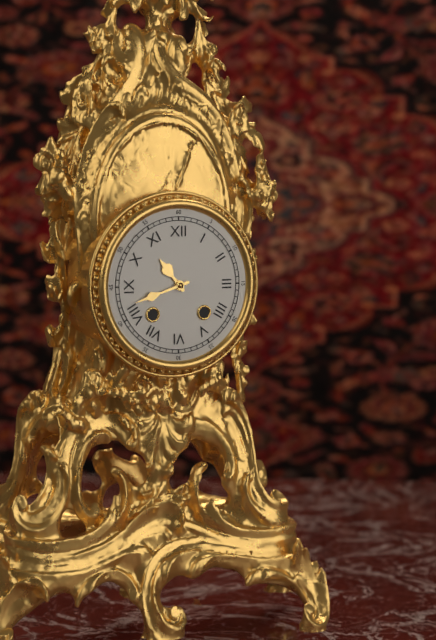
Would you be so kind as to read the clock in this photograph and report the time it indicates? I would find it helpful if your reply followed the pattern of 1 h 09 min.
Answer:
10 h 42 min
